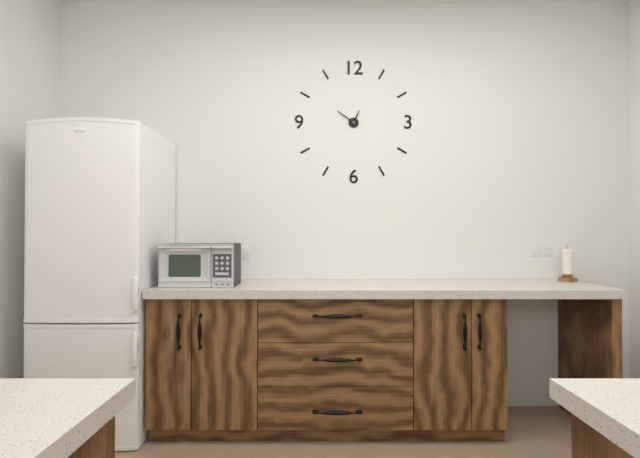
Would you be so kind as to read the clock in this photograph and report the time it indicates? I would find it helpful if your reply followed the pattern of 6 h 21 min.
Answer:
12 h 51 min
